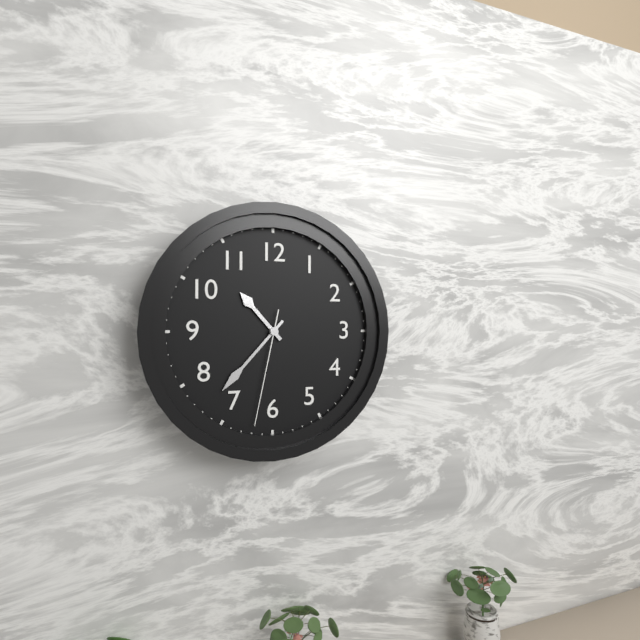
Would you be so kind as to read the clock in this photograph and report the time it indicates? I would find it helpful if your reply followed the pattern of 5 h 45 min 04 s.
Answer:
10 h 37 min 32 s
